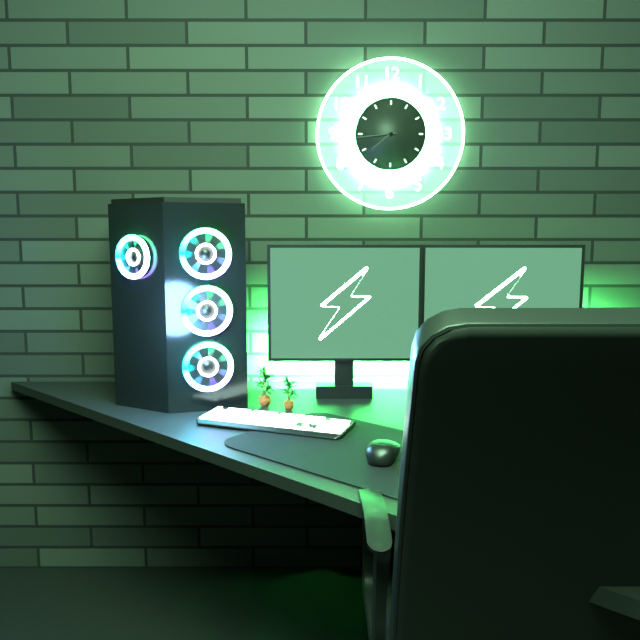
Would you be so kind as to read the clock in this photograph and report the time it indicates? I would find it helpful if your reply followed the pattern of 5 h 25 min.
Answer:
7 h 44 min
